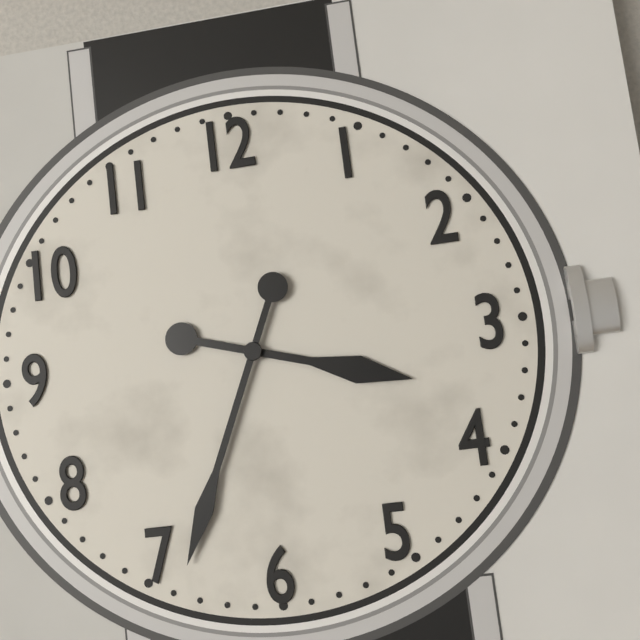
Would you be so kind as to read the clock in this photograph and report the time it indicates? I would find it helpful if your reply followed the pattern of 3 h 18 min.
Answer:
3 h 34 min
